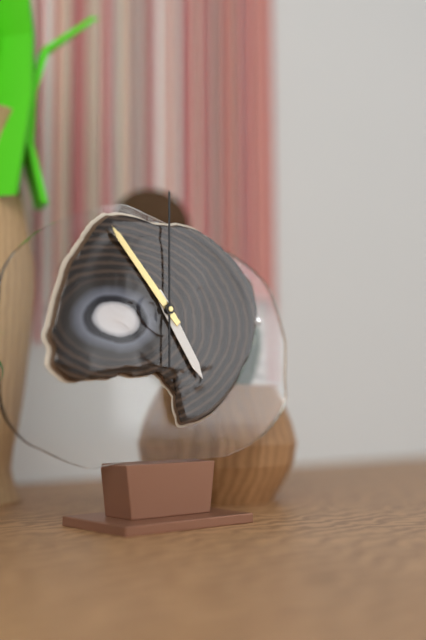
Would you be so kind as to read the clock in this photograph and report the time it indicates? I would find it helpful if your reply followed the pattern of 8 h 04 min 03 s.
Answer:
4 h 53 min 00 s
